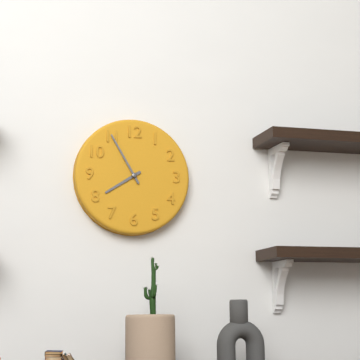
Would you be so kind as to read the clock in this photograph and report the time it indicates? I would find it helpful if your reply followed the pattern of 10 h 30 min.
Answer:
7 h 55 min
